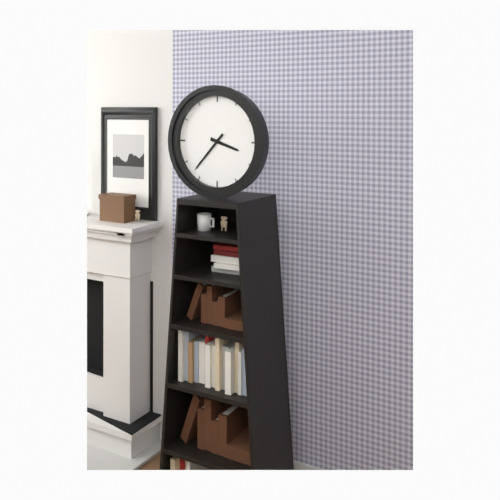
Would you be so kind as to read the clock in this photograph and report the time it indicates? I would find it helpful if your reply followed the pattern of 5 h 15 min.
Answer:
3 h 37 min
